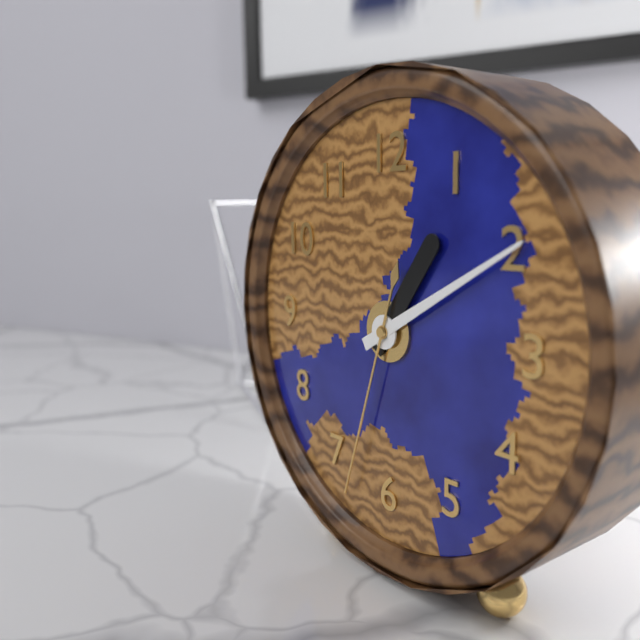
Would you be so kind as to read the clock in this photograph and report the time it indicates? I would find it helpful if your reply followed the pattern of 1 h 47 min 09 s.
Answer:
1 h 10 min 33 s
